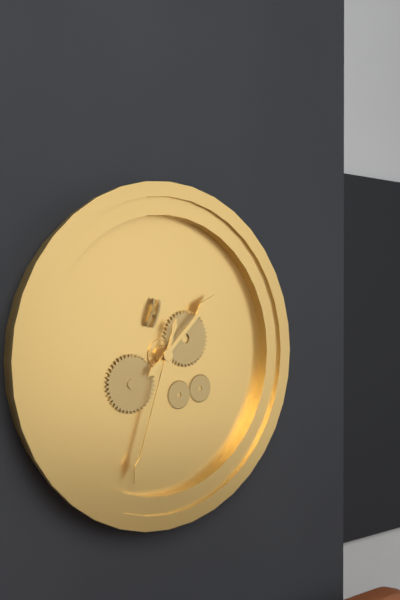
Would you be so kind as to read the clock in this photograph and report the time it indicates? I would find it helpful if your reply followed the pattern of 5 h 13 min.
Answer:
1 h 33 min
